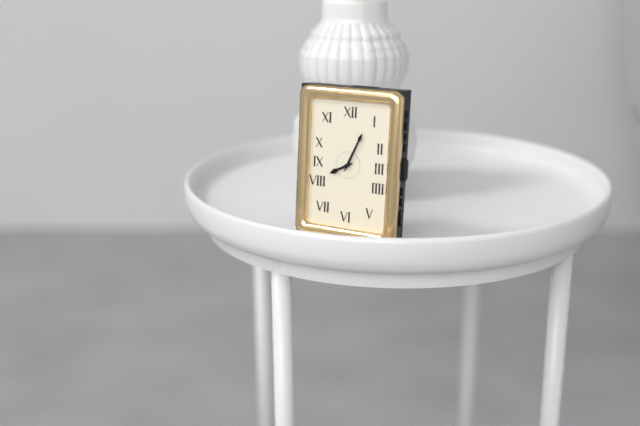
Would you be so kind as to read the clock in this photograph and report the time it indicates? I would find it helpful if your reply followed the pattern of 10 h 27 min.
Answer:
8 h 04 min
